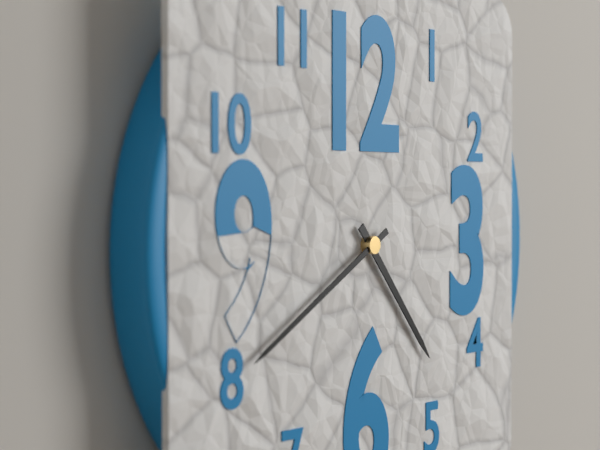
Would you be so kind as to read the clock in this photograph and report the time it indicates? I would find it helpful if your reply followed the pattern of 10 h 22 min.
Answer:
4 h 40 min
